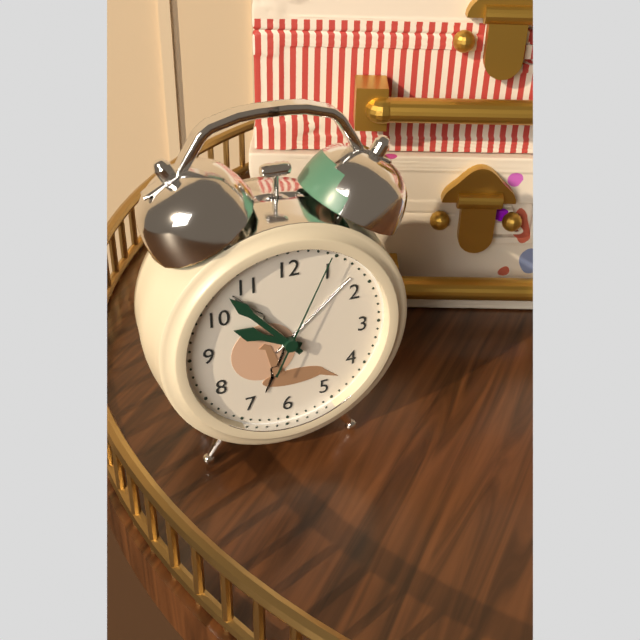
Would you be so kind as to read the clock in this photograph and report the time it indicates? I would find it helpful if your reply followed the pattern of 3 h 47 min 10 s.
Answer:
9 h 53 min 04 s
